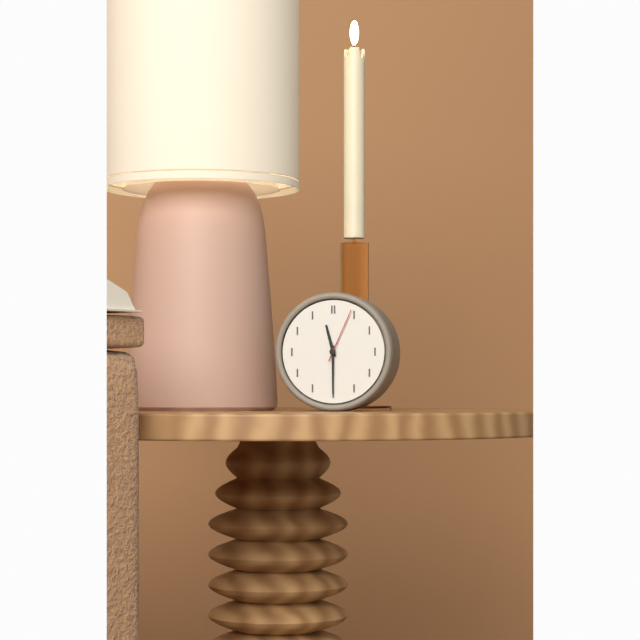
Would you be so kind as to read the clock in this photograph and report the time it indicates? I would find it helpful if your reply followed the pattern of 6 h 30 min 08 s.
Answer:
11 h 30 min 04 s
